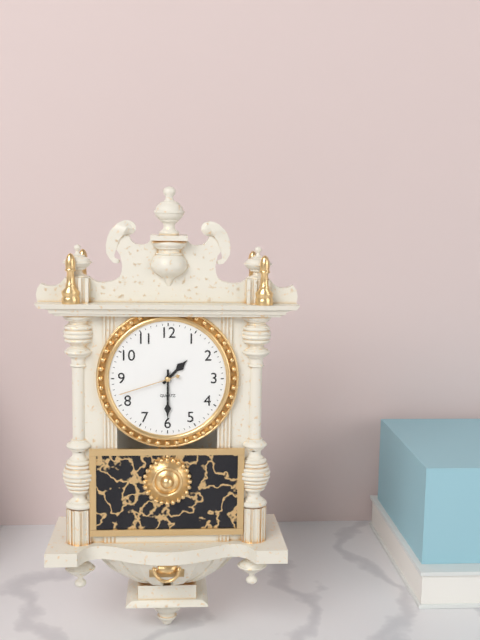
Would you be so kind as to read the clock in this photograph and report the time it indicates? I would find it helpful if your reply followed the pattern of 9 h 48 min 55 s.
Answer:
1 h 30 min 42 s
